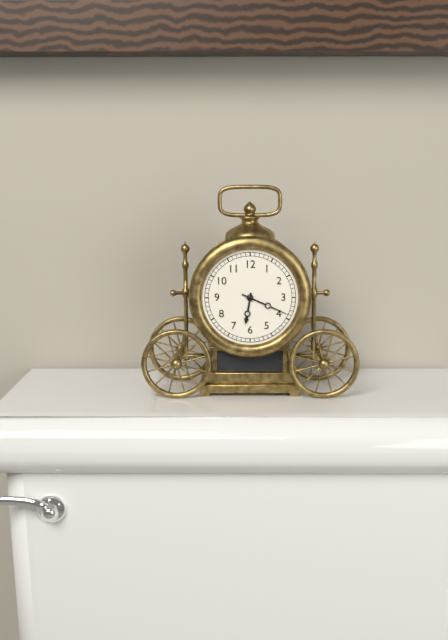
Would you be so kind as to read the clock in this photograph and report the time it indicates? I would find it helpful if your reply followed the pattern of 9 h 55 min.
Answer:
6 h 19 min
